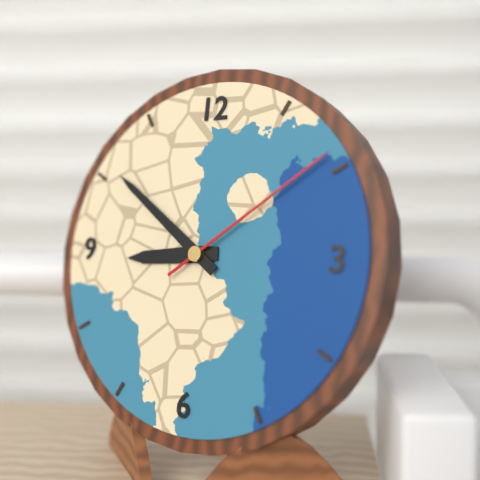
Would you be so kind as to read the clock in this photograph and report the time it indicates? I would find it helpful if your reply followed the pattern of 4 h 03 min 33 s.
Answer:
8 h 51 min 09 s
